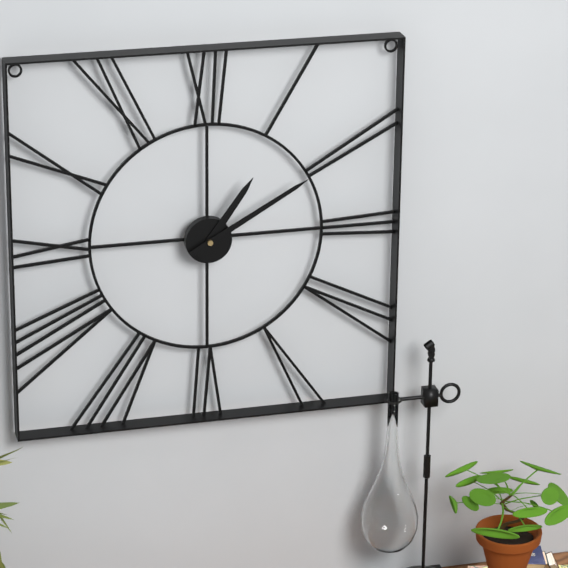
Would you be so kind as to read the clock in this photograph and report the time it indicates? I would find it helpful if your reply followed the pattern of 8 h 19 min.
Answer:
1 h 10 min
